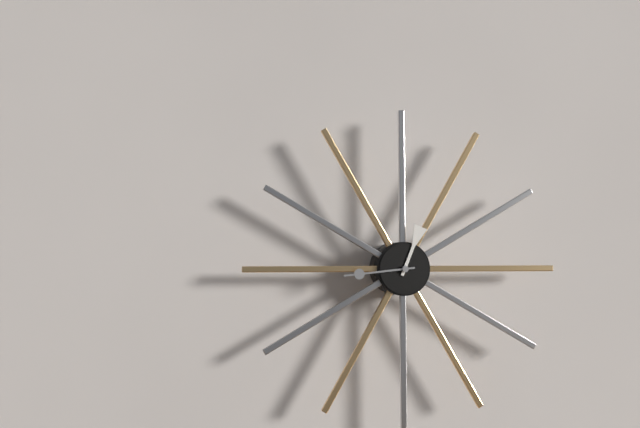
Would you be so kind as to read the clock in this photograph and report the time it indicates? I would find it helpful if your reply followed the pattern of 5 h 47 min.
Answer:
12 h 44 min
